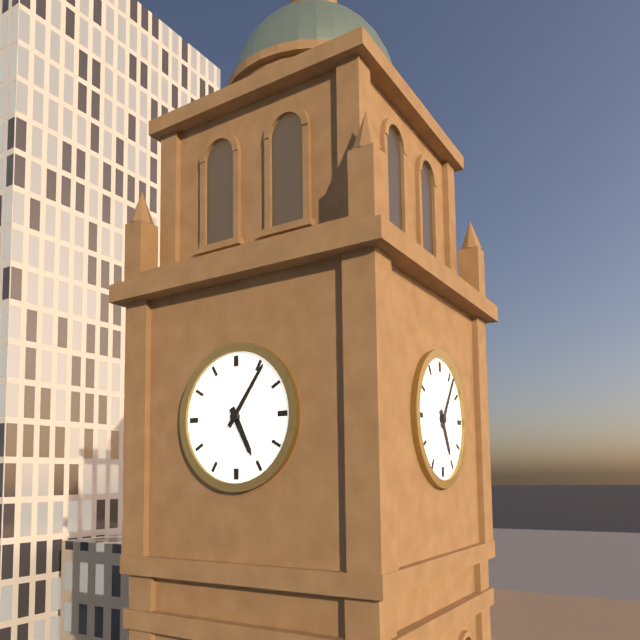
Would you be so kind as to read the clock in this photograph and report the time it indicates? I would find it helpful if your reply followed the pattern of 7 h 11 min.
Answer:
5 h 06 min
